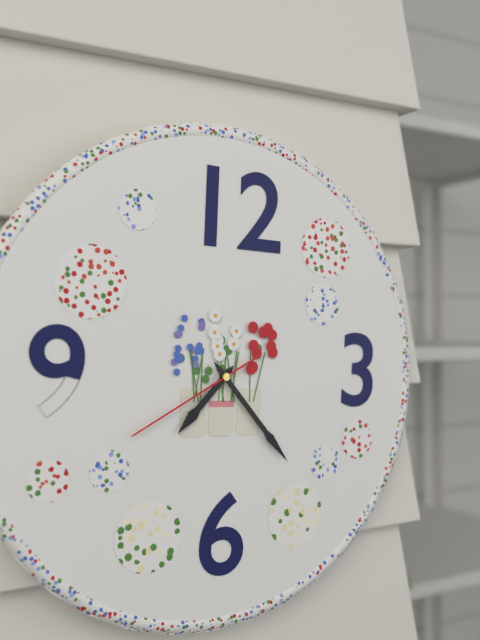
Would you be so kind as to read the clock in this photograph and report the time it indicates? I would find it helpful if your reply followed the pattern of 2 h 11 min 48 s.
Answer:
7 h 23 min 40 s
